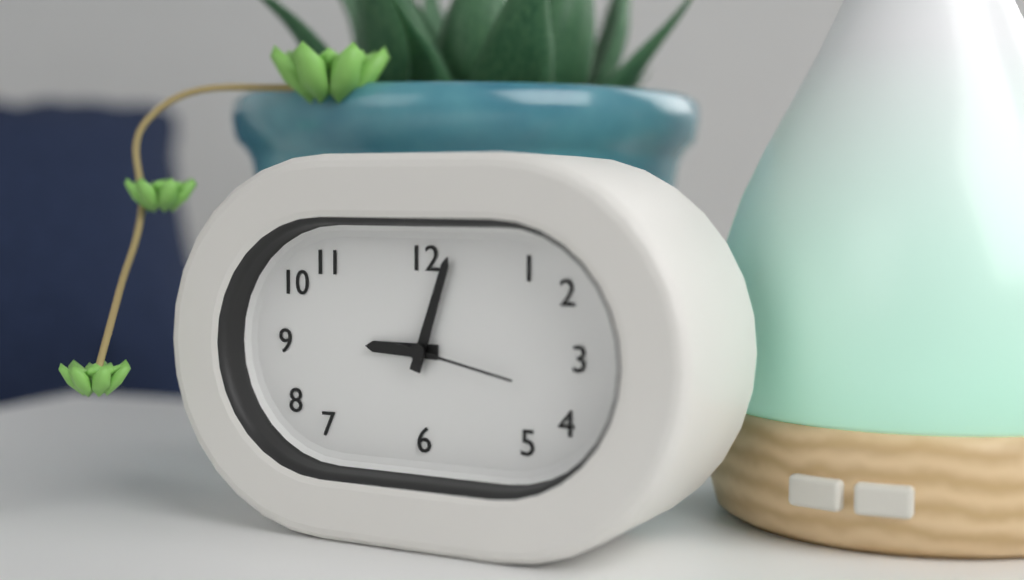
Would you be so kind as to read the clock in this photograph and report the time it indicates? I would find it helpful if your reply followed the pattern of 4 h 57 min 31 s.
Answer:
9 h 03 min 17 s
